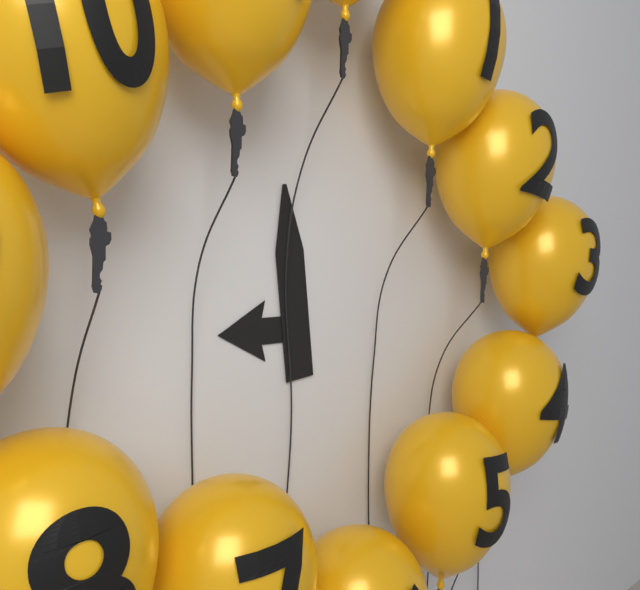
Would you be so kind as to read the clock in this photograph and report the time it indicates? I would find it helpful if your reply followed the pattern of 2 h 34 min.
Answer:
8 h 59 min
